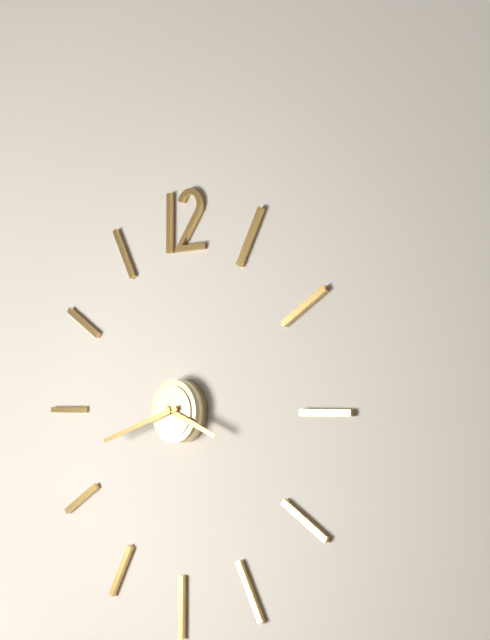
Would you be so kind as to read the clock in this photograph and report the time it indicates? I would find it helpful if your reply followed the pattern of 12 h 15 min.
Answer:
3 h 42 min
